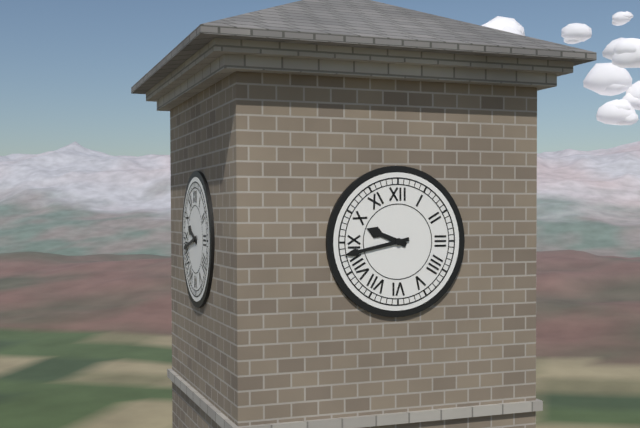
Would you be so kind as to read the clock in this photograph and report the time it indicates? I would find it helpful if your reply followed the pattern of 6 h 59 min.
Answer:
9 h 43 min
